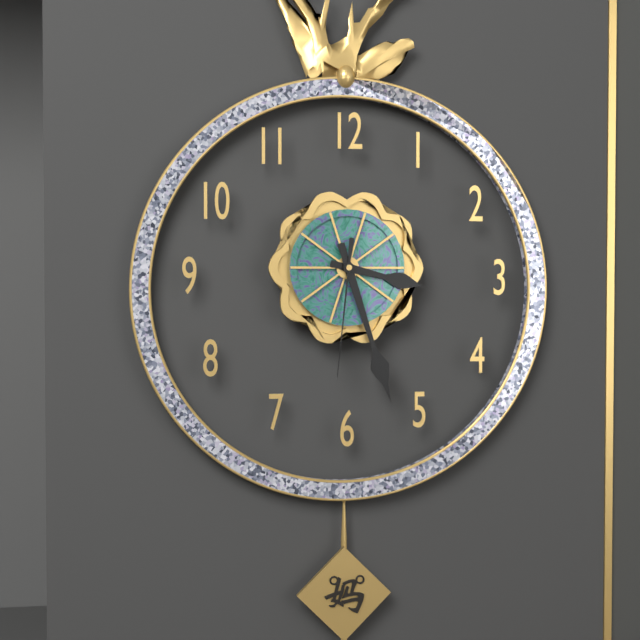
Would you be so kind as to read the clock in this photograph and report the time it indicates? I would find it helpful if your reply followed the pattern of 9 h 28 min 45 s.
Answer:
3 h 27 min 31 s
